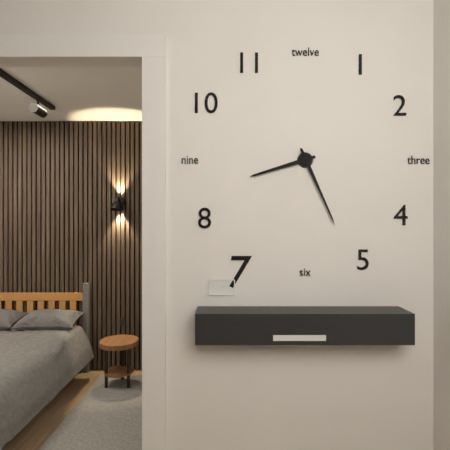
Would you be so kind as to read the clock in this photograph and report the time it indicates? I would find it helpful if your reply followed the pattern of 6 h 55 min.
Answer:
8 h 26 min
